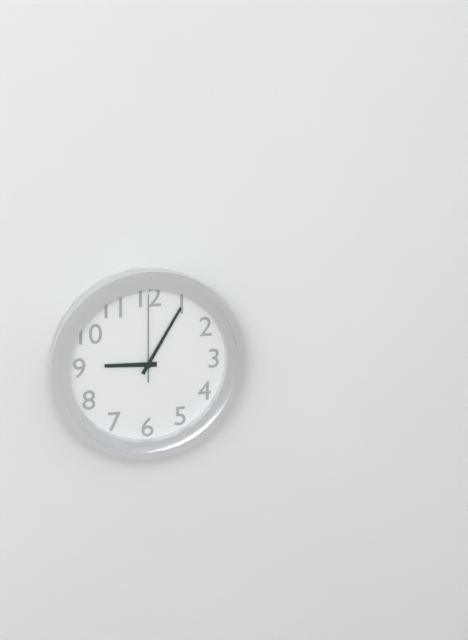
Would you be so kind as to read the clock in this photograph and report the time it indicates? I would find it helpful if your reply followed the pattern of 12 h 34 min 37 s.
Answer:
9 h 05 min 00 s
